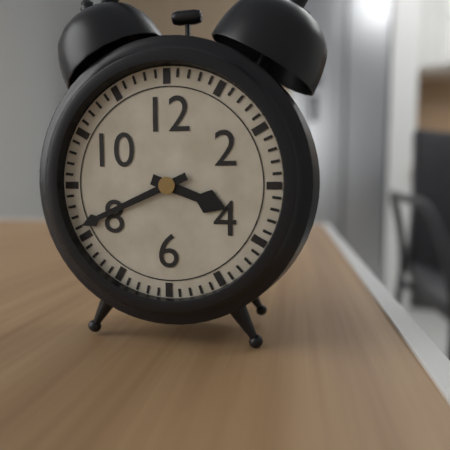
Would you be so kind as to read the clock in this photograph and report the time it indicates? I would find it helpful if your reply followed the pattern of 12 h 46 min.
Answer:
3 h 41 min
